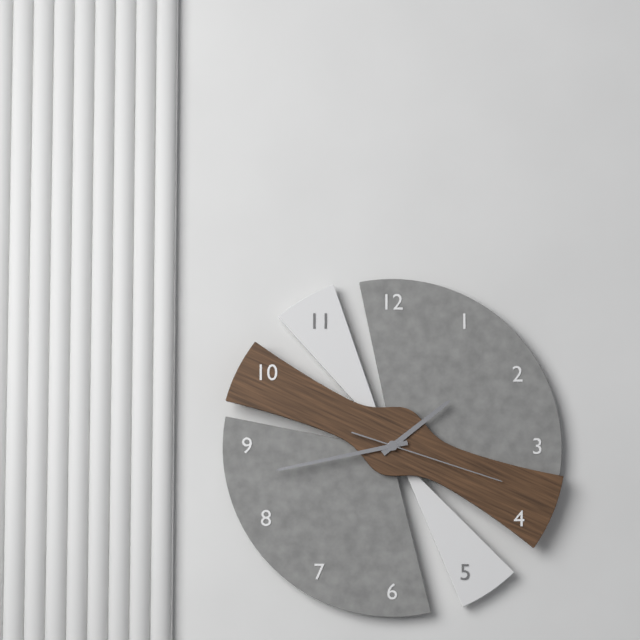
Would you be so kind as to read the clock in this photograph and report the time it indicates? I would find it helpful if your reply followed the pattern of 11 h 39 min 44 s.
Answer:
1 h 43 min 18 s
